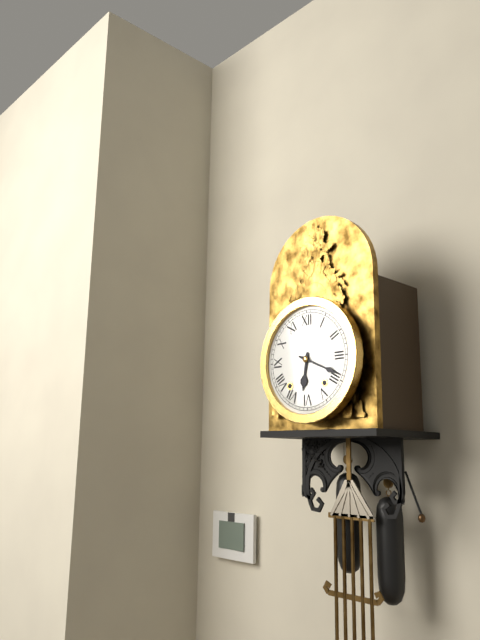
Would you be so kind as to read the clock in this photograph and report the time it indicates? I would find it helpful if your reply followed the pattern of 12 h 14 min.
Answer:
6 h 19 min
